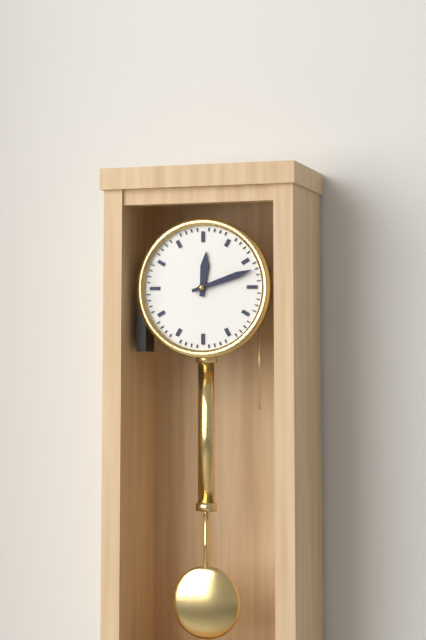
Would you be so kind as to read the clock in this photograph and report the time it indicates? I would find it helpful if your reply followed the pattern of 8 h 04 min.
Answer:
12 h 12 min
